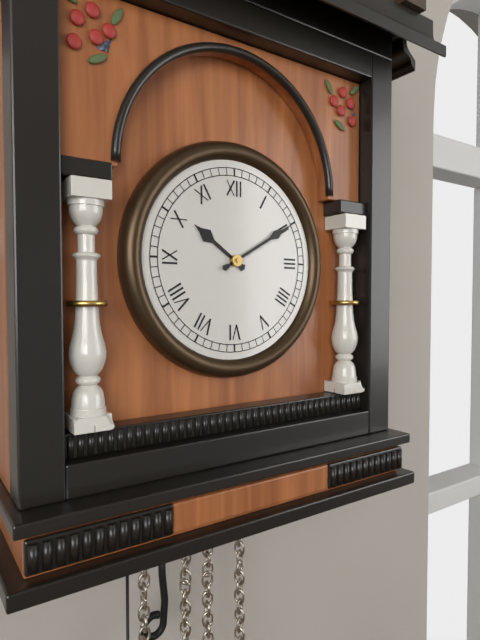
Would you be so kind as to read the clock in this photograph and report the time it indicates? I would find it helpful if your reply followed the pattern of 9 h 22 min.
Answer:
10 h 10 min
